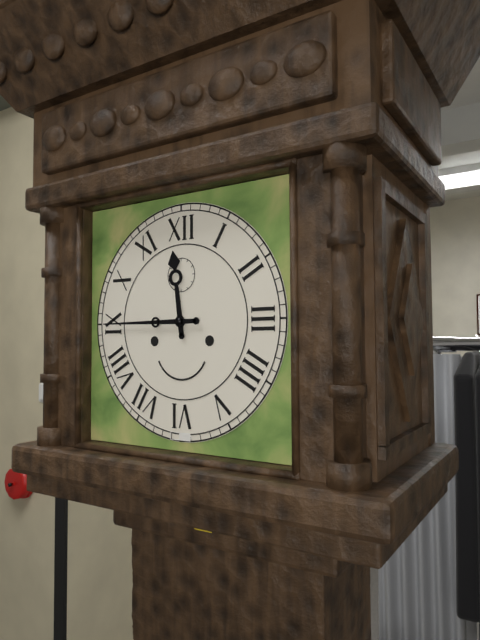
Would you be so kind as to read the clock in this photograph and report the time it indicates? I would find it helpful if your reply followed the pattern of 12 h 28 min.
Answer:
11 h 45 min
